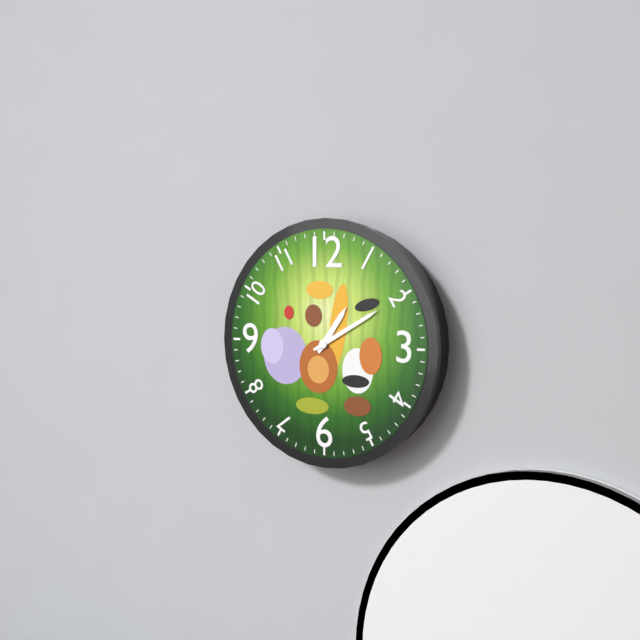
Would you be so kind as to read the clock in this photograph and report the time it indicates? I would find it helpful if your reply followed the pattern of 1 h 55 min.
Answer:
1 h 10 min
